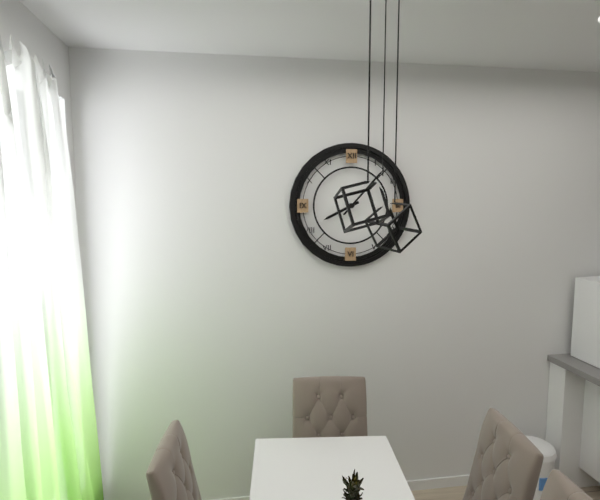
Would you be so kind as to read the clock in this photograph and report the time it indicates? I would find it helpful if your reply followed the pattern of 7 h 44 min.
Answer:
8 h 07 min
